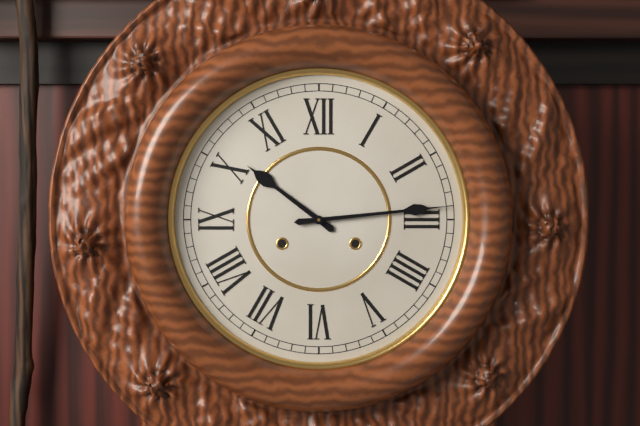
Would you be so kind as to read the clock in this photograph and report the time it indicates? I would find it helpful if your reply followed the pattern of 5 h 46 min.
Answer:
10 h 14 min
